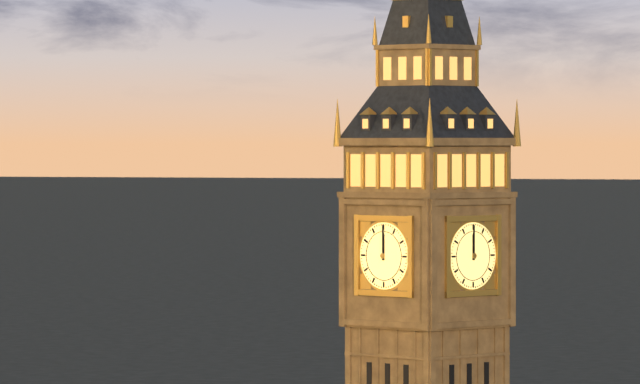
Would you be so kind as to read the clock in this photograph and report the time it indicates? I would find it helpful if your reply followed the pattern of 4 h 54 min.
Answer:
12 h 00 min
